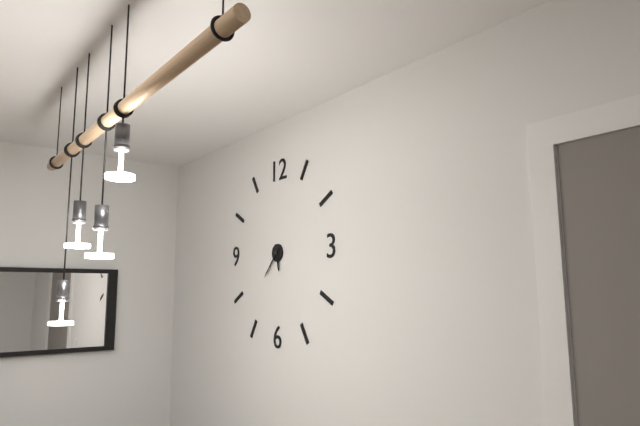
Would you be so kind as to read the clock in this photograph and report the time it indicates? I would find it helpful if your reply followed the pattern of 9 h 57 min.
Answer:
5 h 37 min
